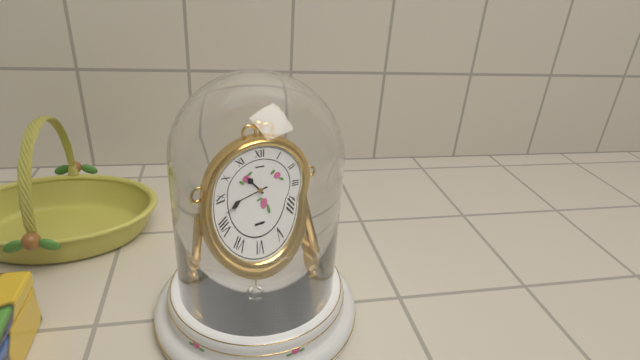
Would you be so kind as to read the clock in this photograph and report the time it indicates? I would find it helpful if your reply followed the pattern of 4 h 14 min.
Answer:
10 h 42 min
